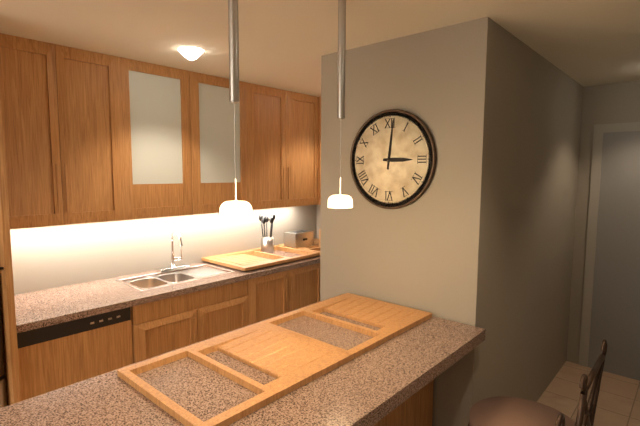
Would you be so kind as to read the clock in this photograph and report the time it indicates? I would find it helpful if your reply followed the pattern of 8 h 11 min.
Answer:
3 h 01 min
